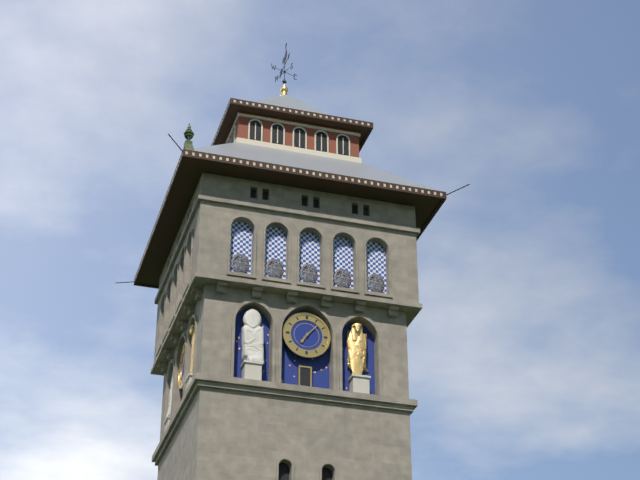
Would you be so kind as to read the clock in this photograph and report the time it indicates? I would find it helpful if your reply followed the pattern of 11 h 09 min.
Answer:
7 h 07 min
